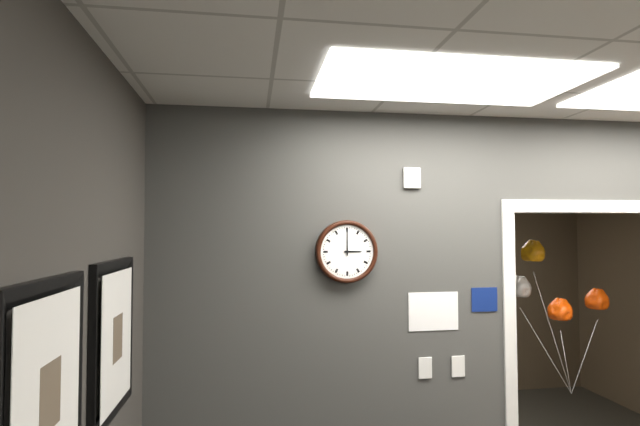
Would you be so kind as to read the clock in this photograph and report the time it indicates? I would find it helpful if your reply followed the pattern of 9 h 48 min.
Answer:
3 h 00 min
